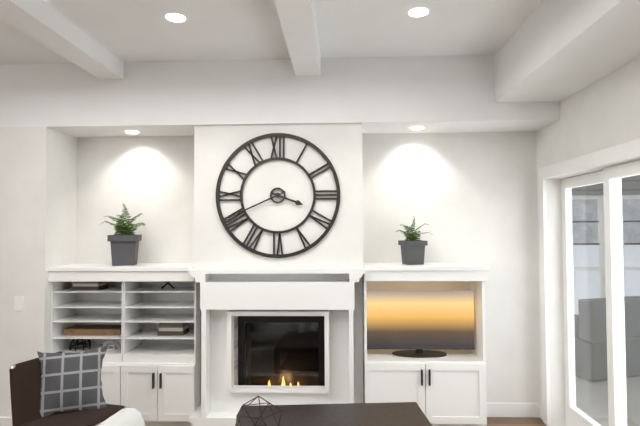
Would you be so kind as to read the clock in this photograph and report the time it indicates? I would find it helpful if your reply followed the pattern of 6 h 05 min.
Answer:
3 h 41 min
